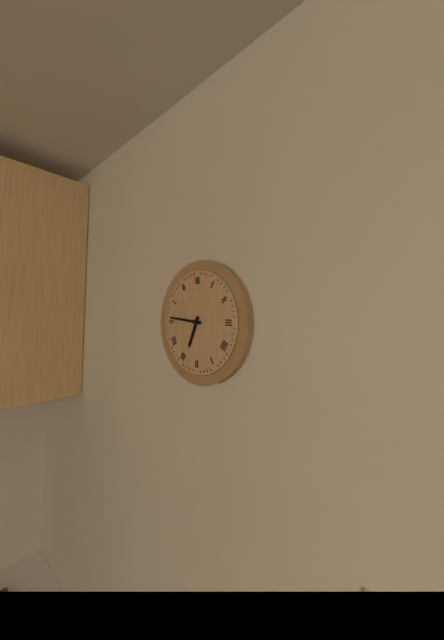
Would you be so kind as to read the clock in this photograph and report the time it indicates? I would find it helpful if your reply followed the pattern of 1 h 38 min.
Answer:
6 h 46 min
